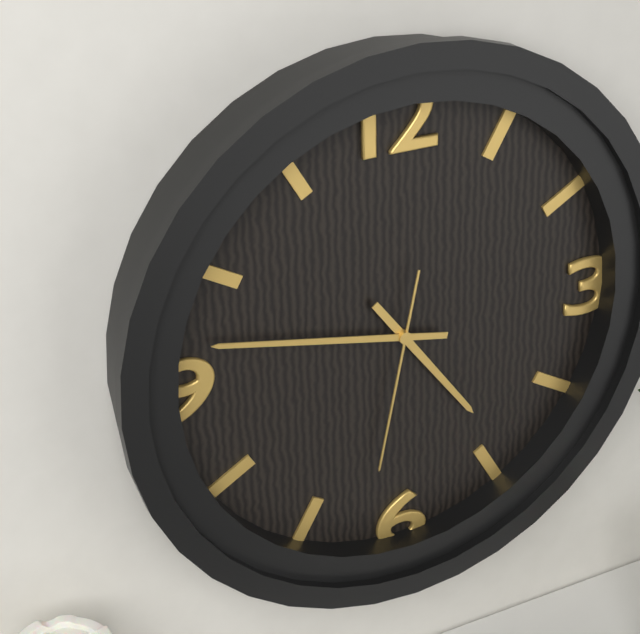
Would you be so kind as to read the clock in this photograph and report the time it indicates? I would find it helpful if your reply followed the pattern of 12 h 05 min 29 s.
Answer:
4 h 47 min 32 s
